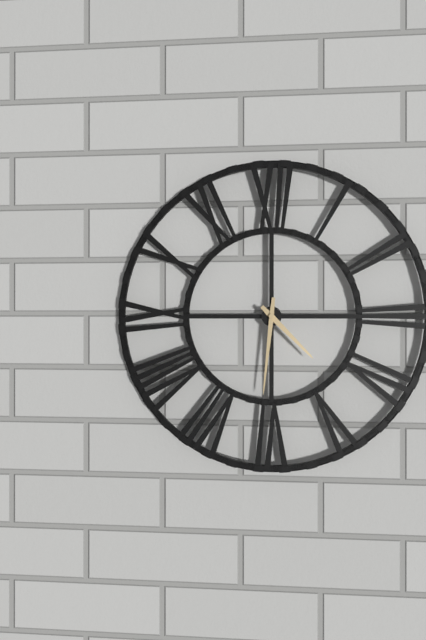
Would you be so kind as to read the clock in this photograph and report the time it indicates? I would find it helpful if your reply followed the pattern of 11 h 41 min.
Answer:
4 h 31 min
